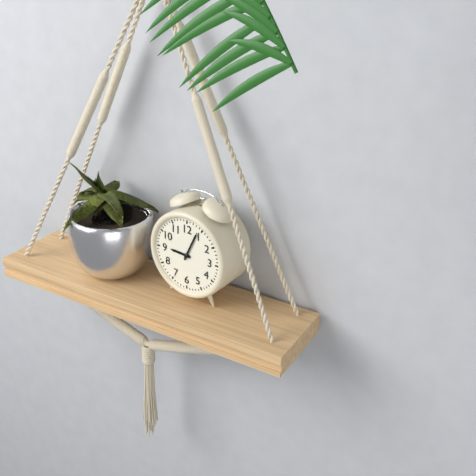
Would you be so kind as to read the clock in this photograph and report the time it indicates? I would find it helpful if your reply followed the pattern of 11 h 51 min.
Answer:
9 h 04 min
